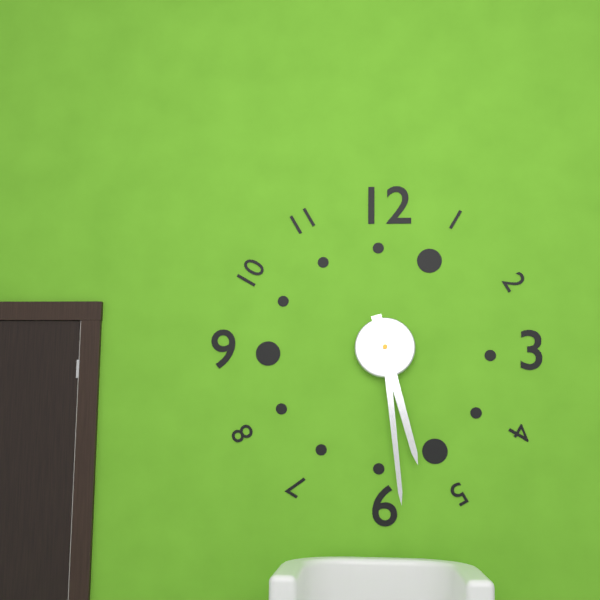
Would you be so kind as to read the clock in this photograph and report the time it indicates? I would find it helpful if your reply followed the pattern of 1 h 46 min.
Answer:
5 h 29 min
